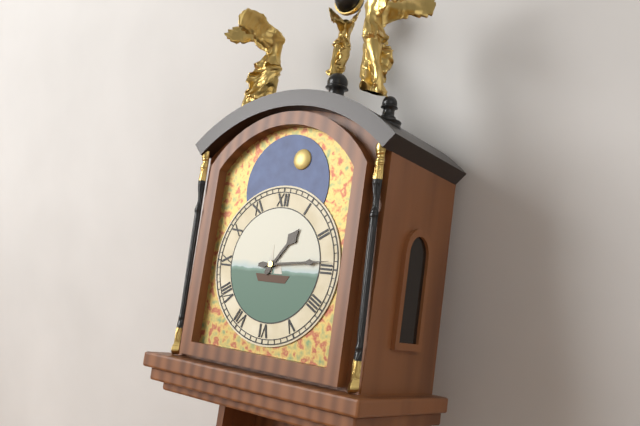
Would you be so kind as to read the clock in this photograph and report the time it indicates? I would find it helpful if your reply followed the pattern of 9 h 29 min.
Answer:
1 h 14 min
